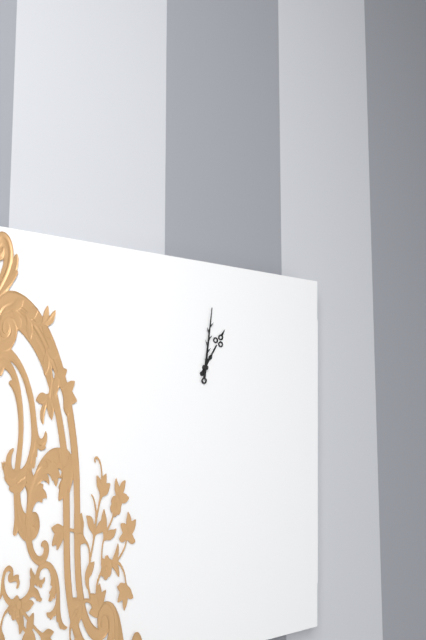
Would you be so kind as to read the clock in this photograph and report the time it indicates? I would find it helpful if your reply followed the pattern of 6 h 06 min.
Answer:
1 h 01 min
